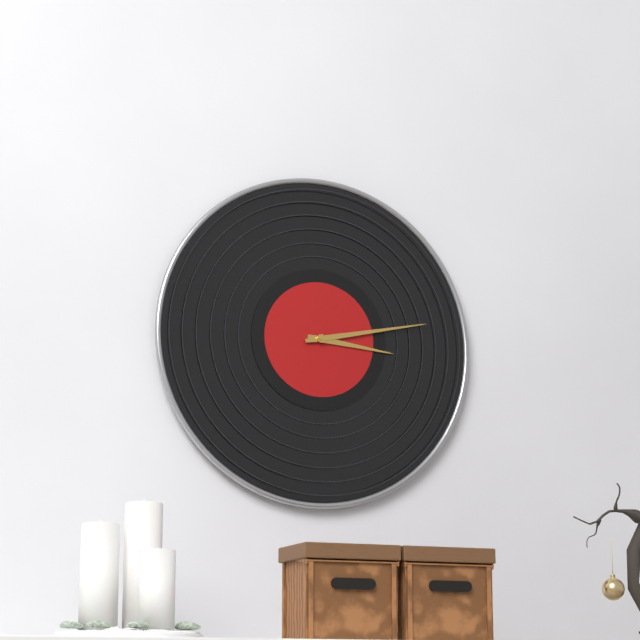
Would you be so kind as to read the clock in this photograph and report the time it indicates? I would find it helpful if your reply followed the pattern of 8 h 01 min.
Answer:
3 h 13 min
